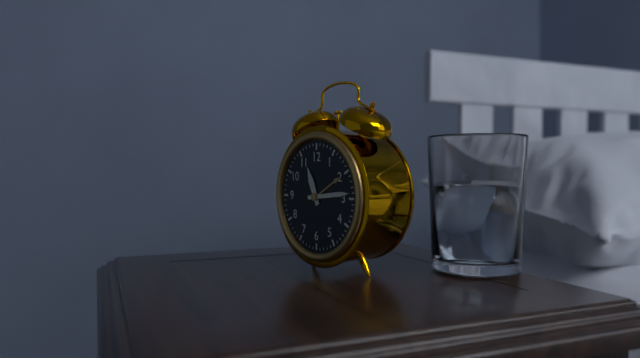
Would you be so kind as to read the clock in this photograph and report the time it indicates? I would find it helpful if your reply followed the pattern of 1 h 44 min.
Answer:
11 h 14 min
